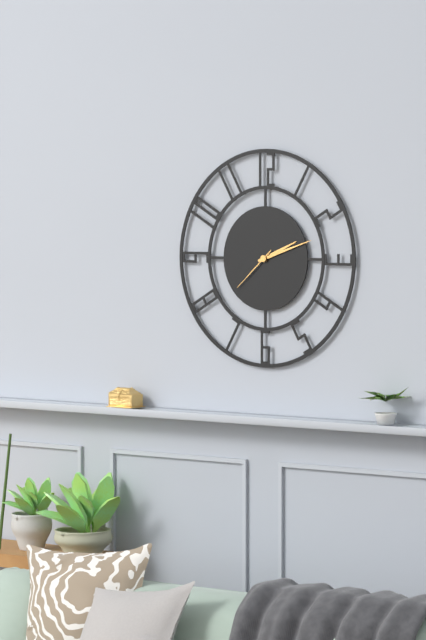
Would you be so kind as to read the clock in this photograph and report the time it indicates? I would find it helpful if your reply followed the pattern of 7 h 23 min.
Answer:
2 h 12 min
